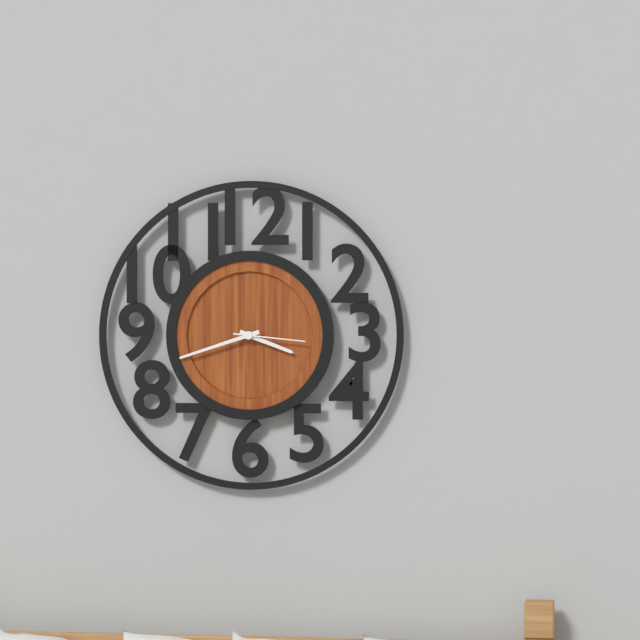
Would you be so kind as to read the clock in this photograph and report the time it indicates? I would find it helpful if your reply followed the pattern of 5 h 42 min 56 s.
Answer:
3 h 42 min 16 s
